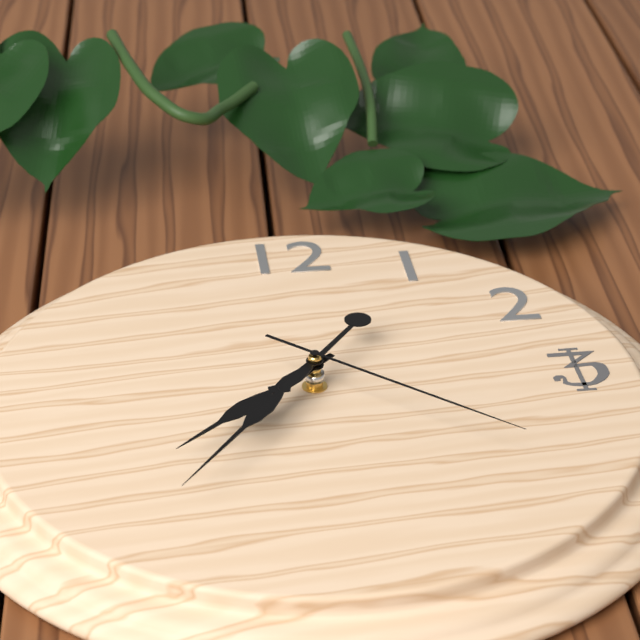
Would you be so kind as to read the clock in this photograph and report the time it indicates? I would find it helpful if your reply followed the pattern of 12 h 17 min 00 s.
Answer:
7 h 36 min 22 s
